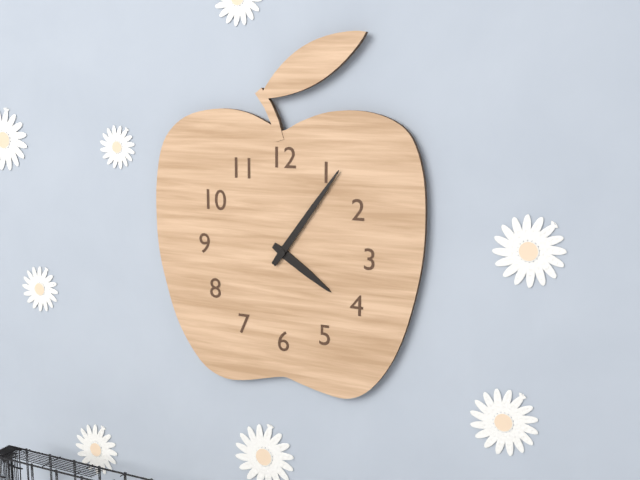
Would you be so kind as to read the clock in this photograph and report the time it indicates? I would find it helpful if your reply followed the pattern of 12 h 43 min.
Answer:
4 h 06 min
